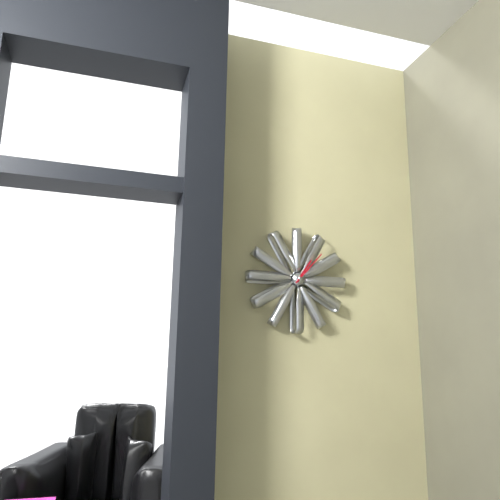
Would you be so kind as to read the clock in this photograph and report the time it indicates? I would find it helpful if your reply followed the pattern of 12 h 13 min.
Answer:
1 h 07 min
